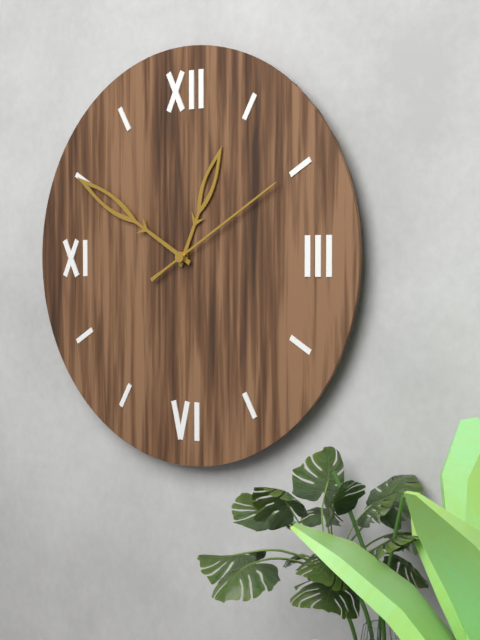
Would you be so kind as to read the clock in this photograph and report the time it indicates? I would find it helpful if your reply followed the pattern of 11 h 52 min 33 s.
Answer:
12 h 50 min 10 s
